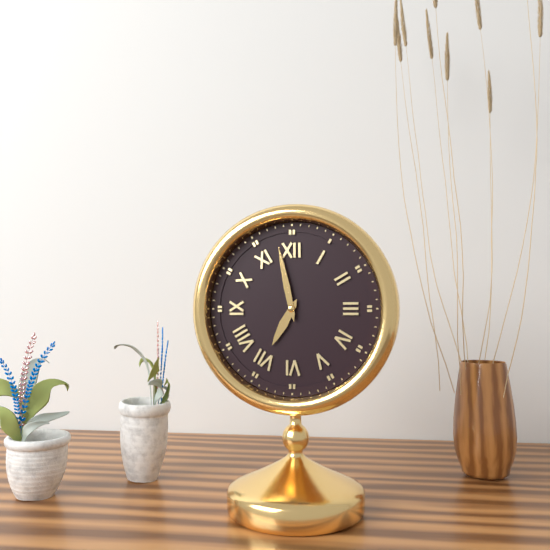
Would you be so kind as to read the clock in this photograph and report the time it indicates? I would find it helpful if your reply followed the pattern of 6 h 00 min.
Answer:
6 h 58 min
